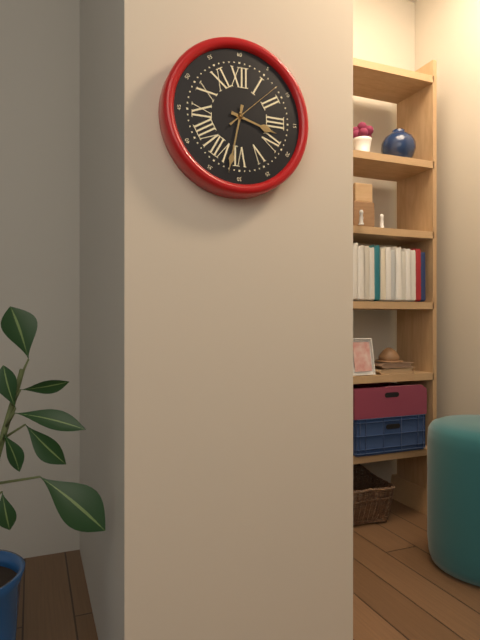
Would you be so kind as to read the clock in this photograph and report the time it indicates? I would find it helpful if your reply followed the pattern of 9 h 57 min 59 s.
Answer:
3 h 32 min 08 s
